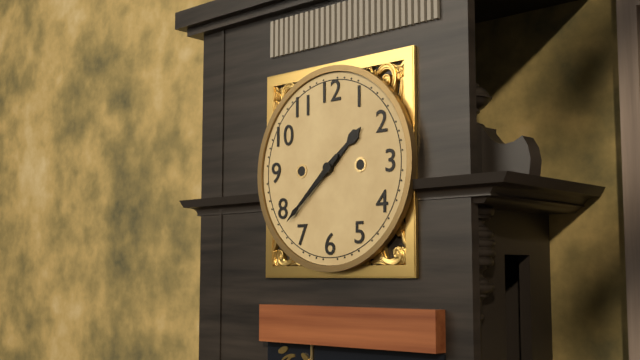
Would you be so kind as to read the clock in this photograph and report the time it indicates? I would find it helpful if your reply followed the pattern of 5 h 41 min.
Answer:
1 h 38 min
